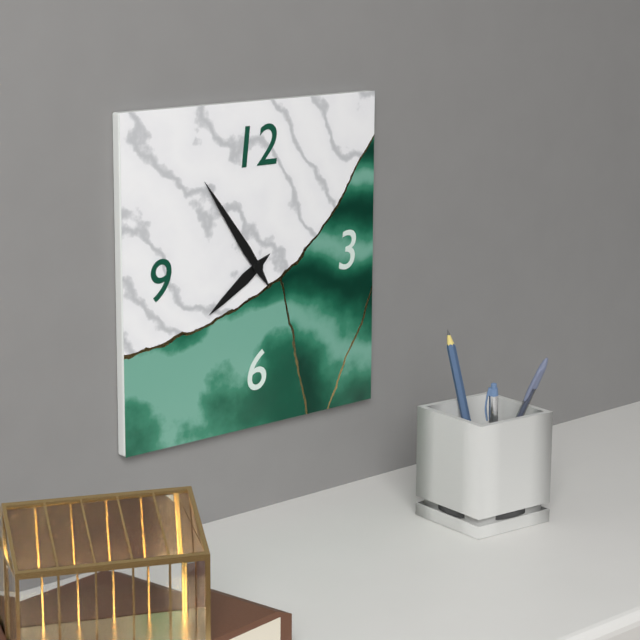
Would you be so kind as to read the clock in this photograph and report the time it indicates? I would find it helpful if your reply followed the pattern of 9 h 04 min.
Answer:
7 h 54 min
